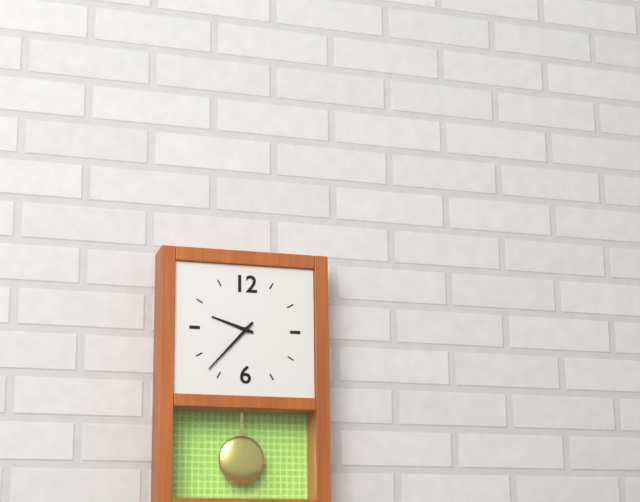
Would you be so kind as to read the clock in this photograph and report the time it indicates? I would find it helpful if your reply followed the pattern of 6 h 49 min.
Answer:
9 h 37 min
